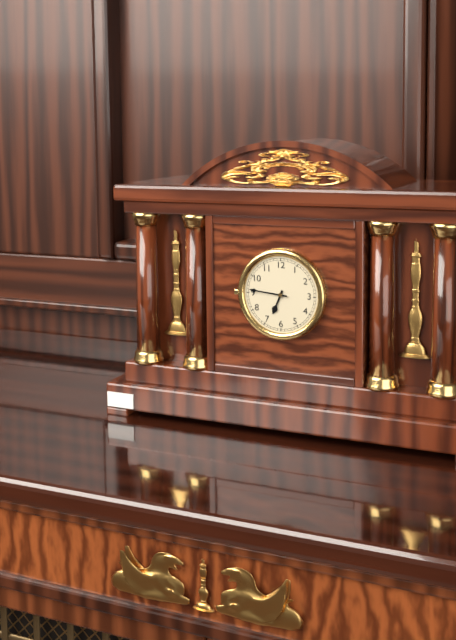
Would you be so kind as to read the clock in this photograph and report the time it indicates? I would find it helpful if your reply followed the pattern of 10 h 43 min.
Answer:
6 h 46 min
